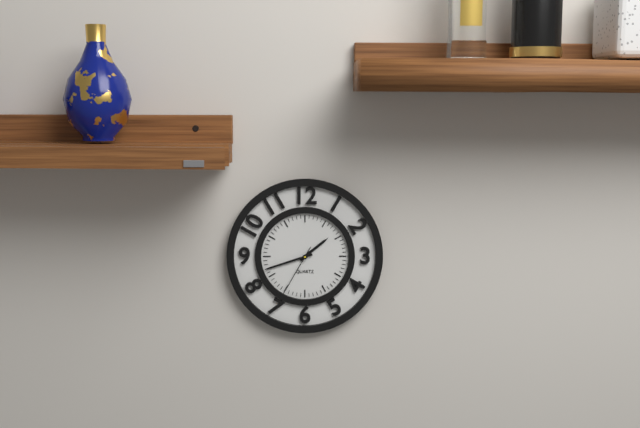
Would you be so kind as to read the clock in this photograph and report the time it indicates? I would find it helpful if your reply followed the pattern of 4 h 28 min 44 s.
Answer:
1 h 42 min 35 s
